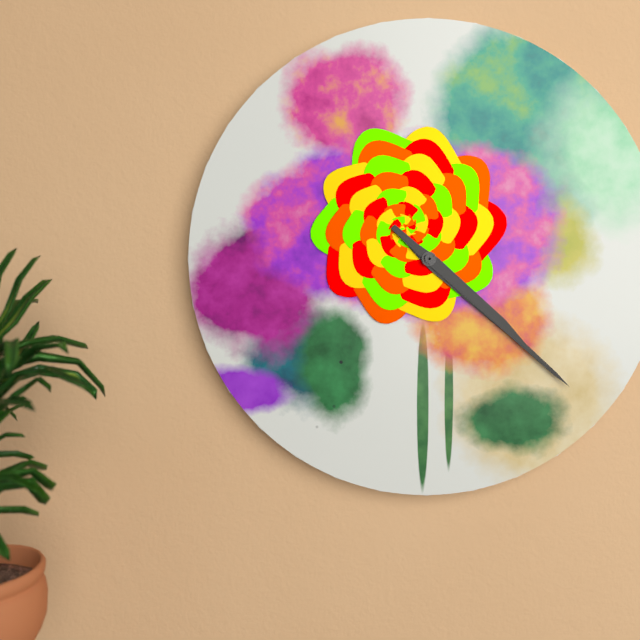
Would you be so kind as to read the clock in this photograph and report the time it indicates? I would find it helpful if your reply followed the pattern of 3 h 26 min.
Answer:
4 h 22 min
